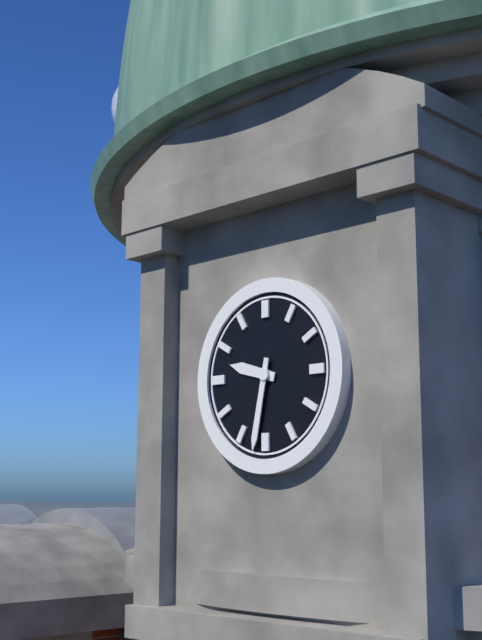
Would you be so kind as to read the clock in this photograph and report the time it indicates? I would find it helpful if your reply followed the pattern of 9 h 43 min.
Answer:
9 h 32 min
